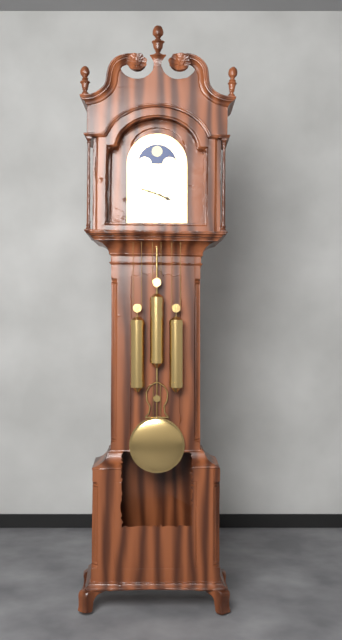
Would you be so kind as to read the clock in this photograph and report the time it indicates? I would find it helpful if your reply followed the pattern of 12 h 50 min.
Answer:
3 h 48 min
